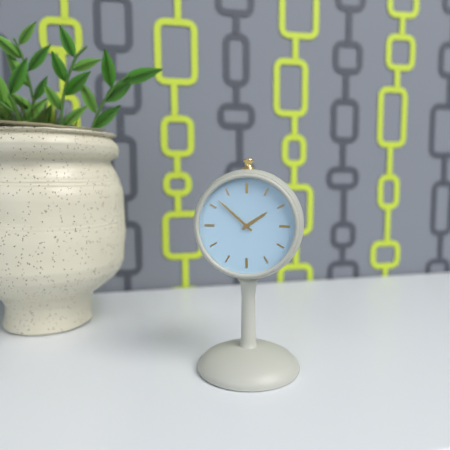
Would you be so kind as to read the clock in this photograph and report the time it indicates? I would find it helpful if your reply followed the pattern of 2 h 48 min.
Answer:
1 h 52 min
